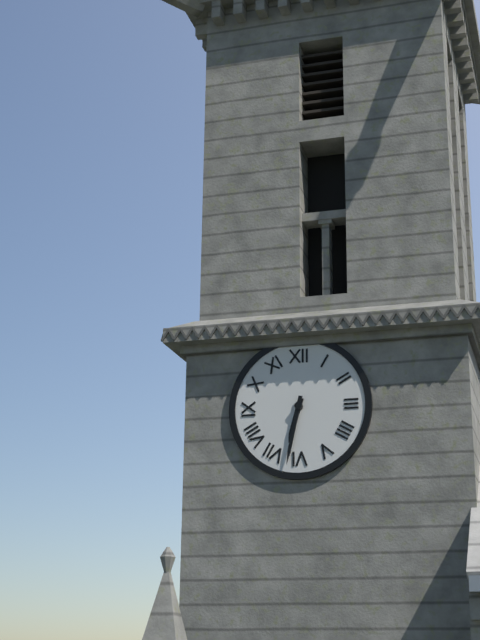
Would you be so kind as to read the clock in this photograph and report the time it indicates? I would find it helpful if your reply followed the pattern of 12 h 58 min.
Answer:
6 h 32 min
